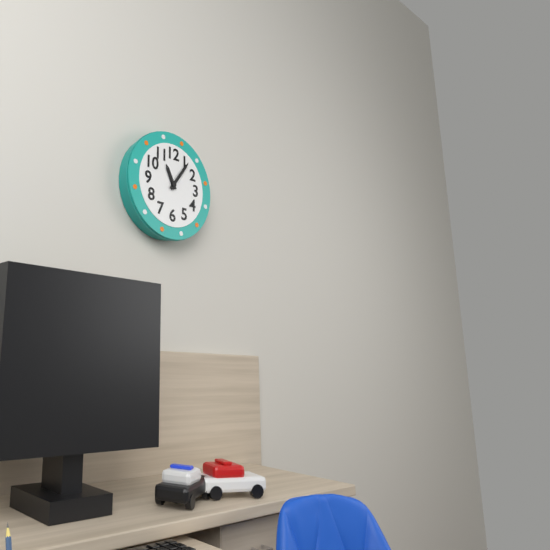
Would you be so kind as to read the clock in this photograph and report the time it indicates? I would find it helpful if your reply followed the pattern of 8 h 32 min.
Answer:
11 h 06 min
